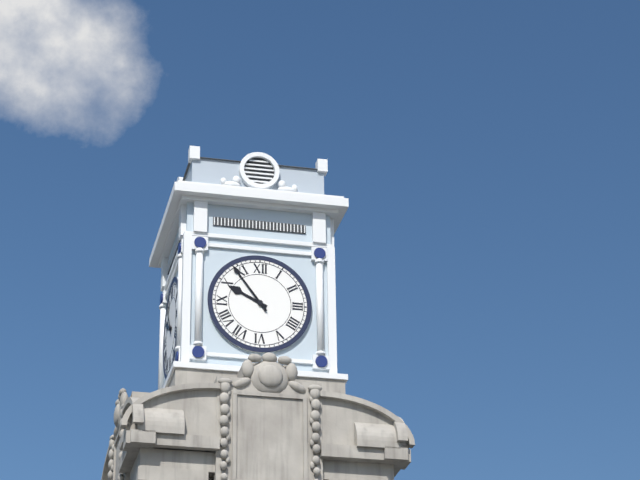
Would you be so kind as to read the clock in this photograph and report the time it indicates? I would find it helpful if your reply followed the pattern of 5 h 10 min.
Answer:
9 h 54 min
